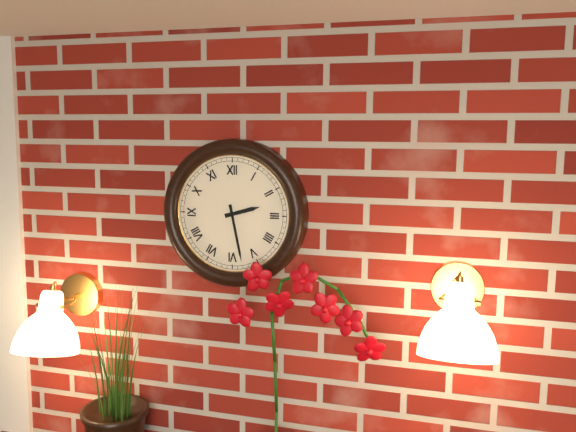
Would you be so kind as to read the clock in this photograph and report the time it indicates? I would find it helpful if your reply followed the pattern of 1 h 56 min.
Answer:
2 h 28 min
